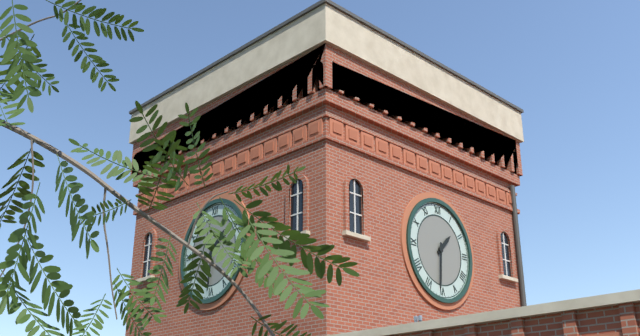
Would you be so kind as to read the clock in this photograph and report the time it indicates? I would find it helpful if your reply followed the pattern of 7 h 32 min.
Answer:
1 h 31 min
